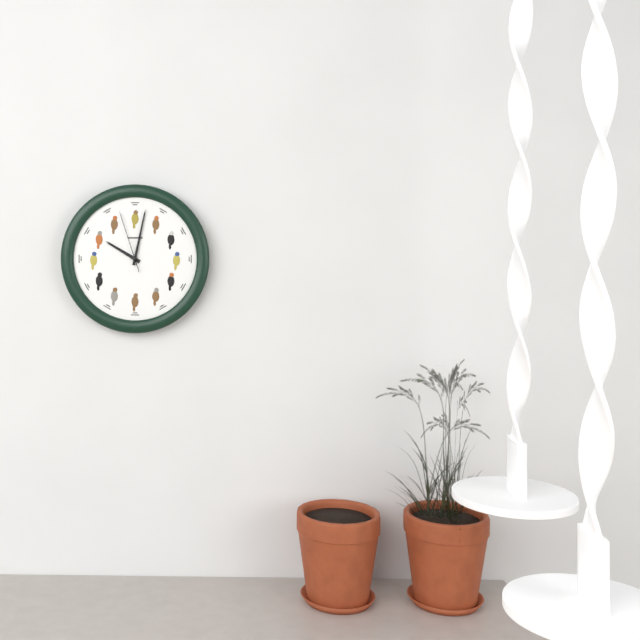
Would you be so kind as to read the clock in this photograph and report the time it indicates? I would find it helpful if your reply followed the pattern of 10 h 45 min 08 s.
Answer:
10 h 02 min 57 s
